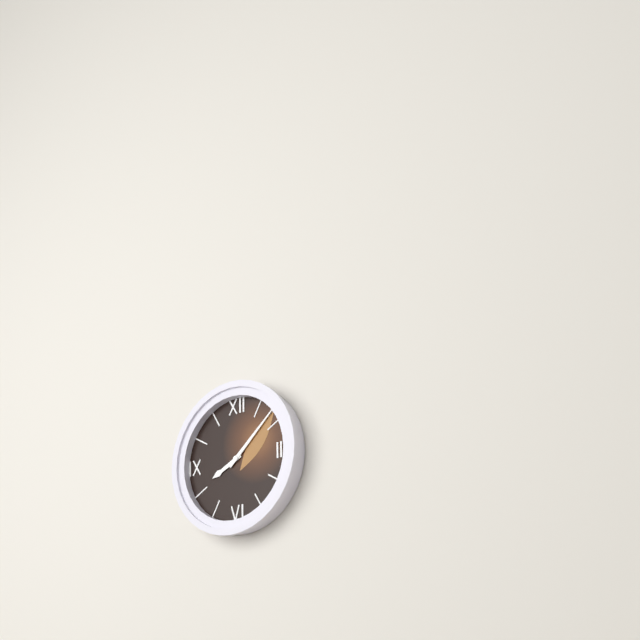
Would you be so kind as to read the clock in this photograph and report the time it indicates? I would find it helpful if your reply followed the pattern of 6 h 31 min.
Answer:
8 h 08 min
